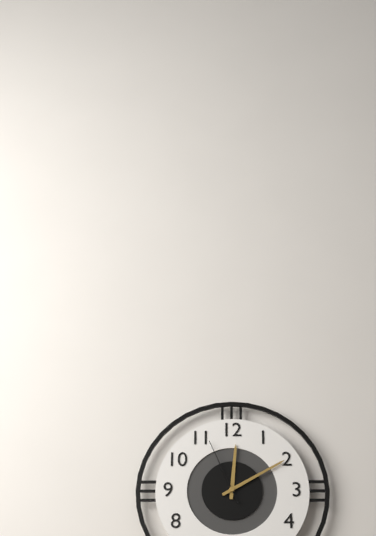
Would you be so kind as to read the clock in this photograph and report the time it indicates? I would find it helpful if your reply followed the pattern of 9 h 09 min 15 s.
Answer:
12 h 10 min 56 s
